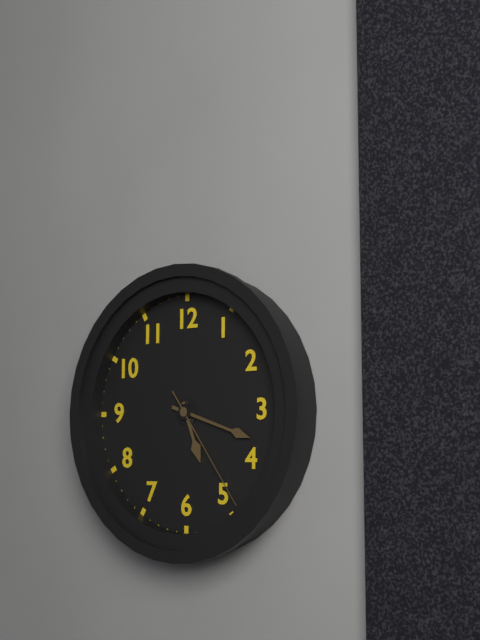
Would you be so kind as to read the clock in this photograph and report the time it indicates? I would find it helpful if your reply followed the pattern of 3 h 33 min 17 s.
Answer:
5 h 18 min 24 s
